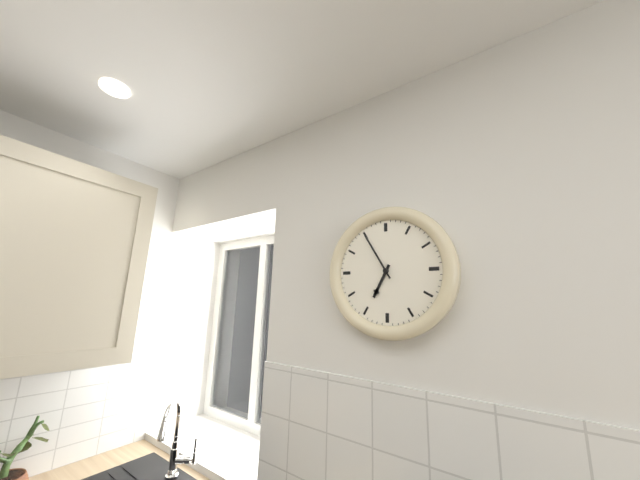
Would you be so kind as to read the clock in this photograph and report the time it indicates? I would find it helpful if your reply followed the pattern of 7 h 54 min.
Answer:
6 h 55 min
